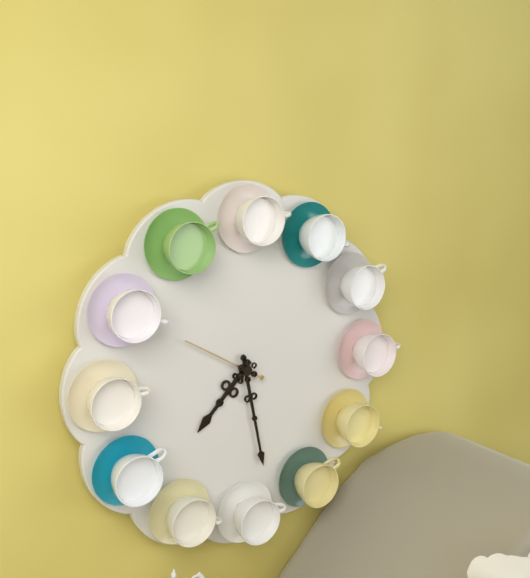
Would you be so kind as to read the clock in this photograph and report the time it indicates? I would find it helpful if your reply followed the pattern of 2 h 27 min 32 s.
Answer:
7 h 28 min 50 s
